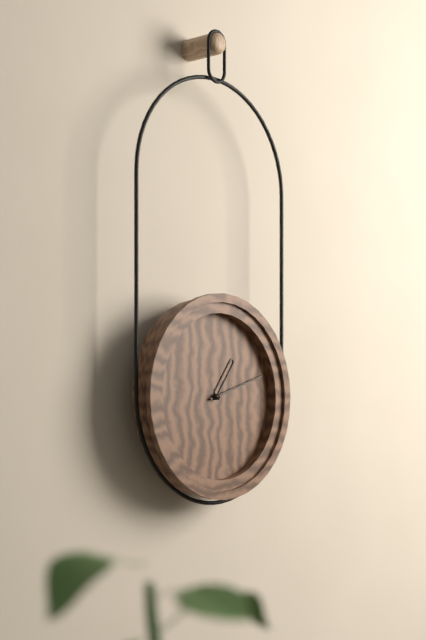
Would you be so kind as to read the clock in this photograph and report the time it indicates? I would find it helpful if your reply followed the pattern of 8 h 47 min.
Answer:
1 h 12 min
